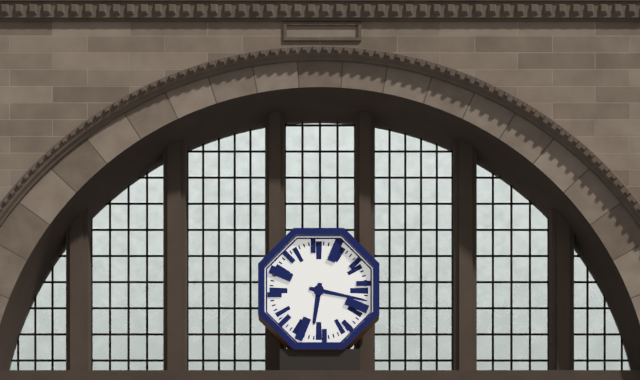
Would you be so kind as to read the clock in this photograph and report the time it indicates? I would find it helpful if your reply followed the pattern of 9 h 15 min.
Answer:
6 h 17 min
